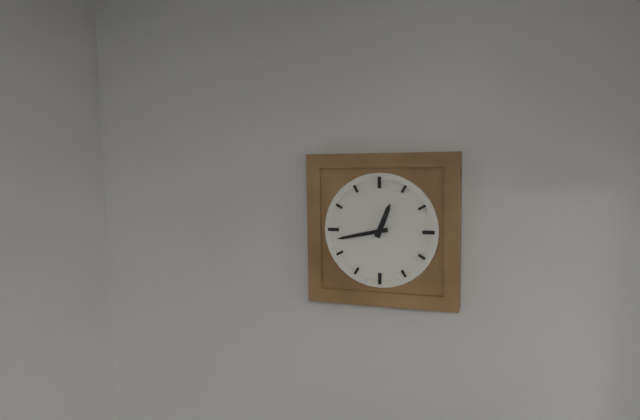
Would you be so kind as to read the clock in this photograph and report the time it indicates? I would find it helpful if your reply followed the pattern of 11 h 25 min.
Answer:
12 h 43 min
